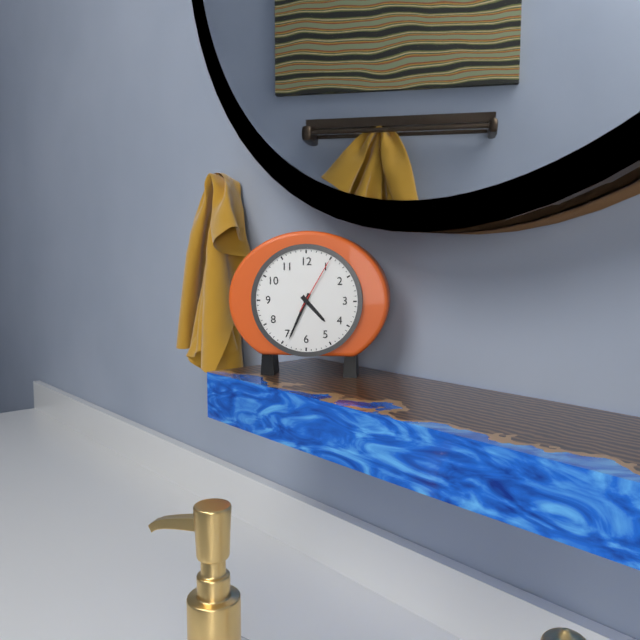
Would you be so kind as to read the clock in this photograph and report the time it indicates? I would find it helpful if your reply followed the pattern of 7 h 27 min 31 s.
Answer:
4 h 34 min 05 s
